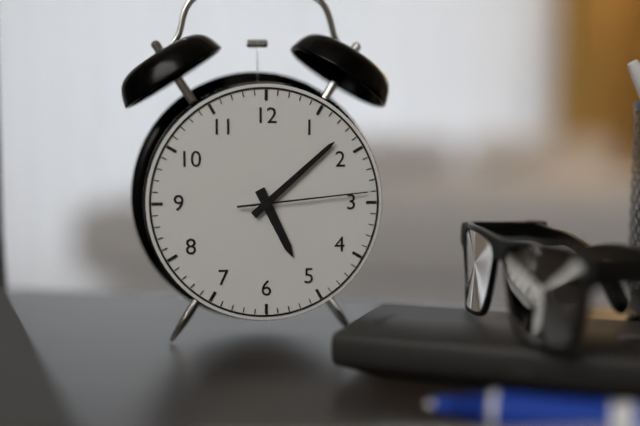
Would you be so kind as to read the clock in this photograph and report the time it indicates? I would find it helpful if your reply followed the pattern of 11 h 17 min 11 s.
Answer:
5 h 08 min 14 s
